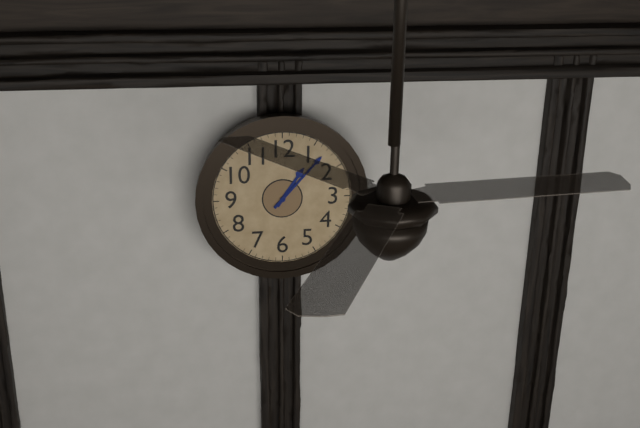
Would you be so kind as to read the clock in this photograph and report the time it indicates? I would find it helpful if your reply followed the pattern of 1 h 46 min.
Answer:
1 h 07 min
